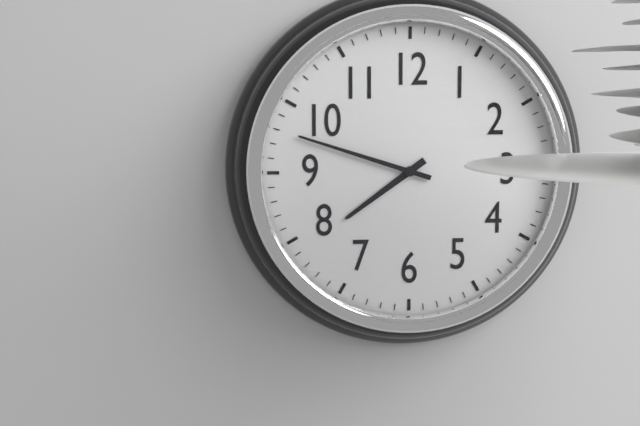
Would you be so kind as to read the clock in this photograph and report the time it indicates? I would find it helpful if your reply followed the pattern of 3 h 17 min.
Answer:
7 h 48 min
